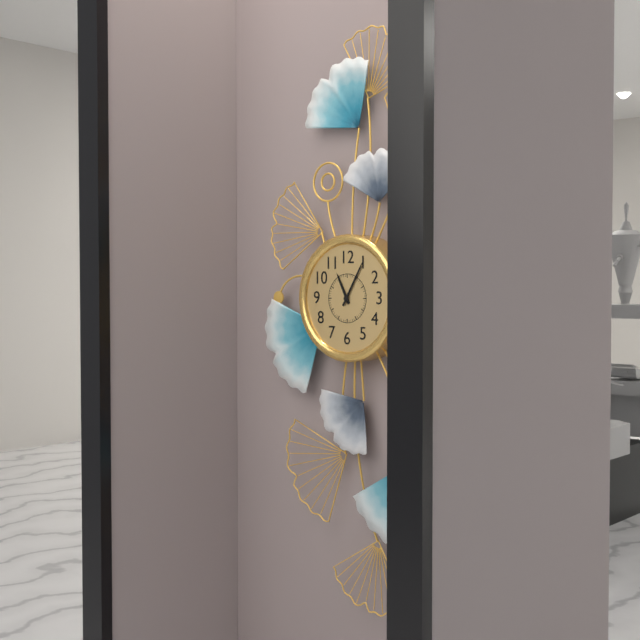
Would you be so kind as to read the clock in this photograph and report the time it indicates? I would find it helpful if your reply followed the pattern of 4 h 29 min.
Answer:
11 h 05 min
